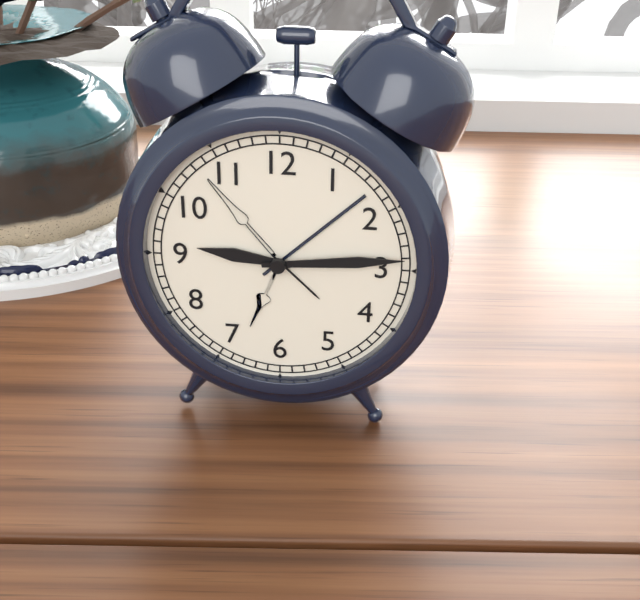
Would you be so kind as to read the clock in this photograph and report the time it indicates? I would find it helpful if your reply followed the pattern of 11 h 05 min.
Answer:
9 h 14 min
